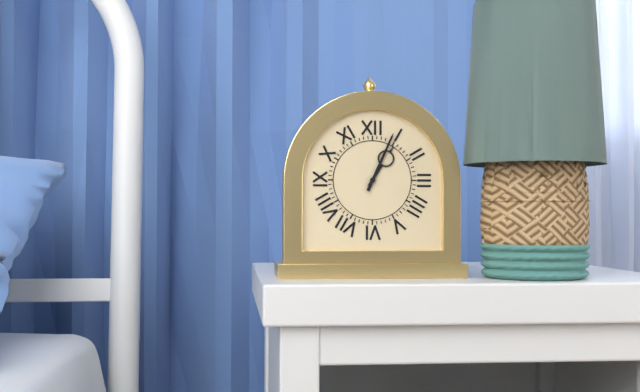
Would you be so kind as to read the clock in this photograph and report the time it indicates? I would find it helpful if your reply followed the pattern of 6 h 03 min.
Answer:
1 h 04 min
